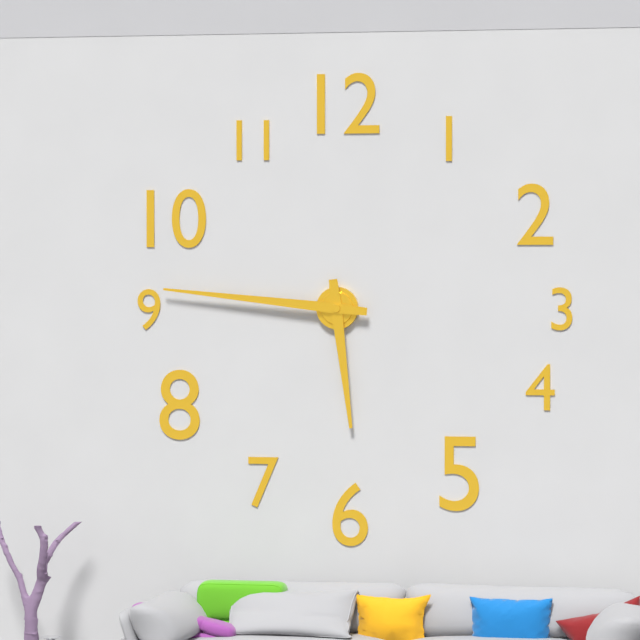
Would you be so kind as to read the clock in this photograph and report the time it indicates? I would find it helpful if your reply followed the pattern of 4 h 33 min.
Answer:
5 h 46 min
